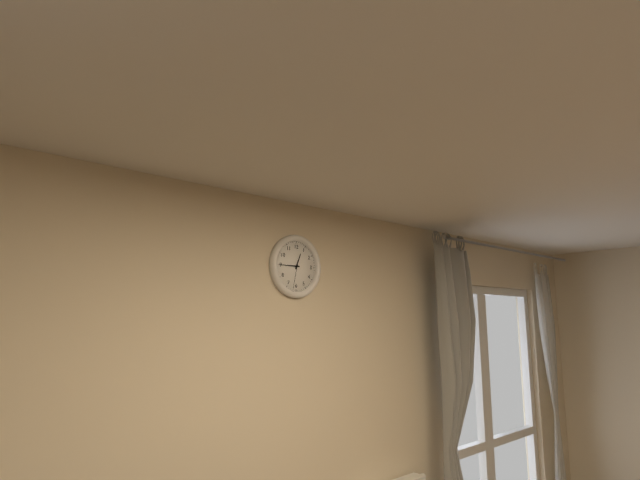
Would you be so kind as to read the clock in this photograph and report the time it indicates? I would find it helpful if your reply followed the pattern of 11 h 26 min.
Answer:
12 h 45 min
